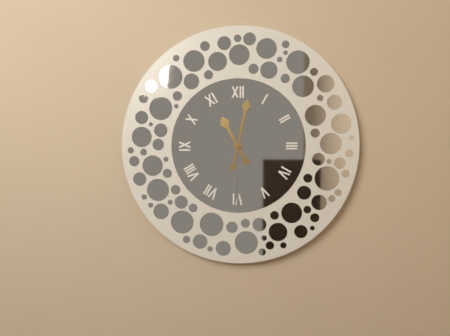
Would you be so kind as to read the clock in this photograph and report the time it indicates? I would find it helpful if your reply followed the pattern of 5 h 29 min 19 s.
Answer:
11 h 02 min 30 s
